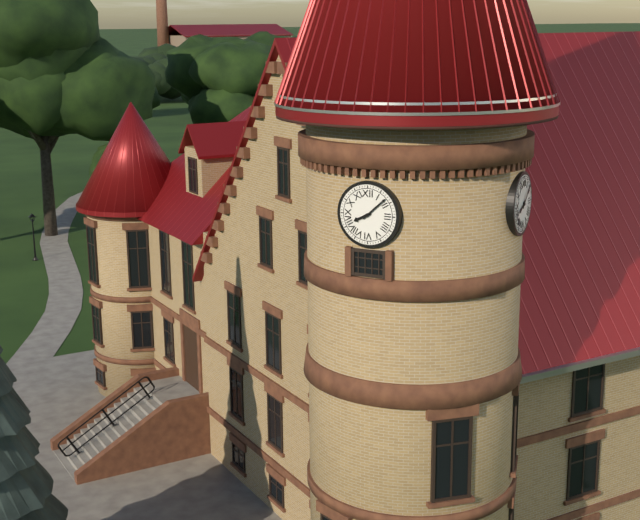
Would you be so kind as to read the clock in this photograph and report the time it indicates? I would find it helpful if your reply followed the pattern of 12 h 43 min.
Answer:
8 h 08 min
